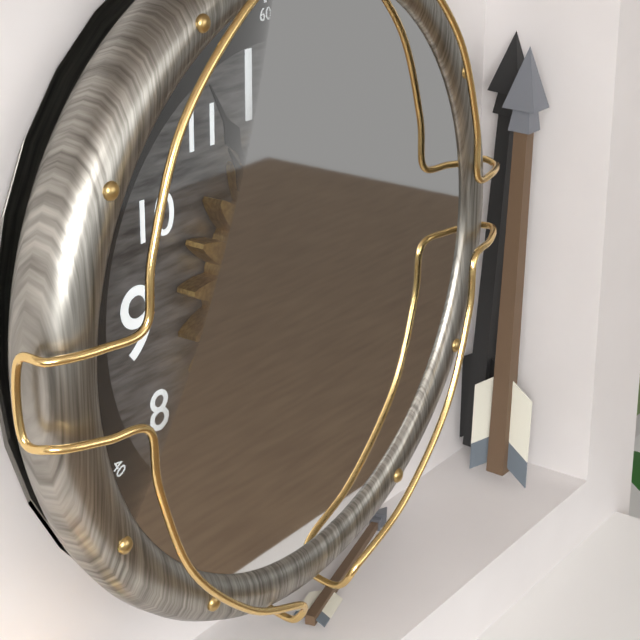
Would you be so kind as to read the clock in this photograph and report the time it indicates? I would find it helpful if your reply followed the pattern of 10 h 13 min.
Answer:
10 h 55 min
